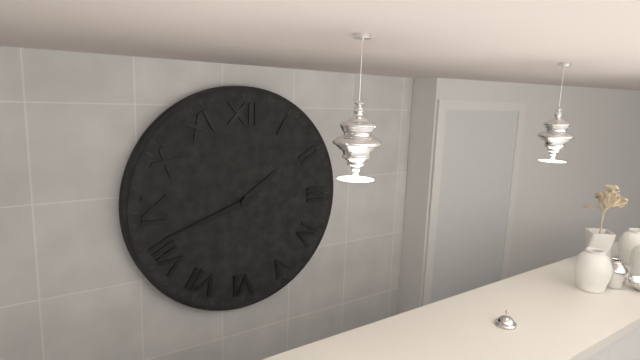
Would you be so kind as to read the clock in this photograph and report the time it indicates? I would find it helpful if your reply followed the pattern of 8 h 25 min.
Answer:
1 h 42 min
